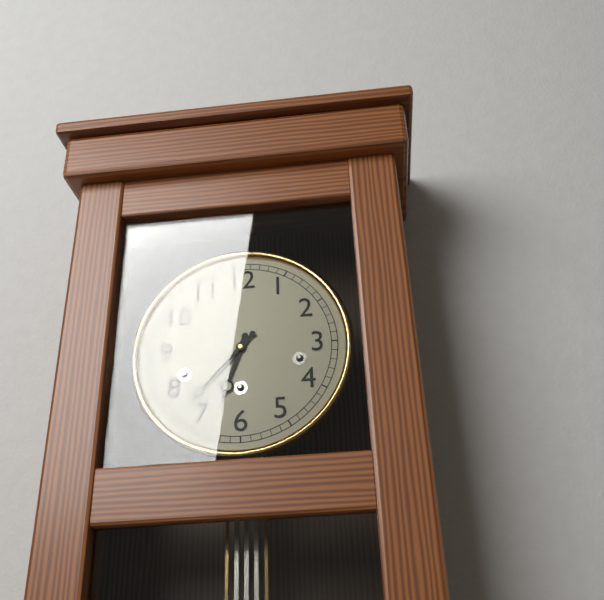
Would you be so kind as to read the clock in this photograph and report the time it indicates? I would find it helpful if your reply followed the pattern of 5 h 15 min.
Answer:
6 h 37 min
